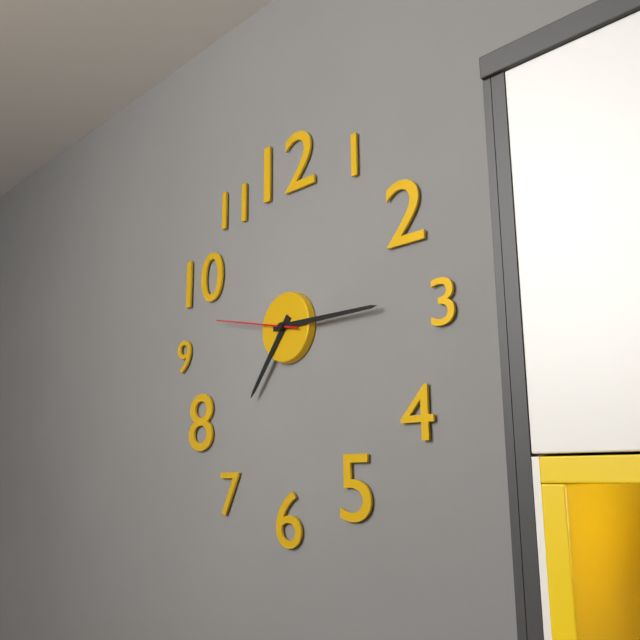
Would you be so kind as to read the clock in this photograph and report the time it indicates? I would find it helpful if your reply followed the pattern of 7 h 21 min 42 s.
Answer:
7 h 15 min 47 s
